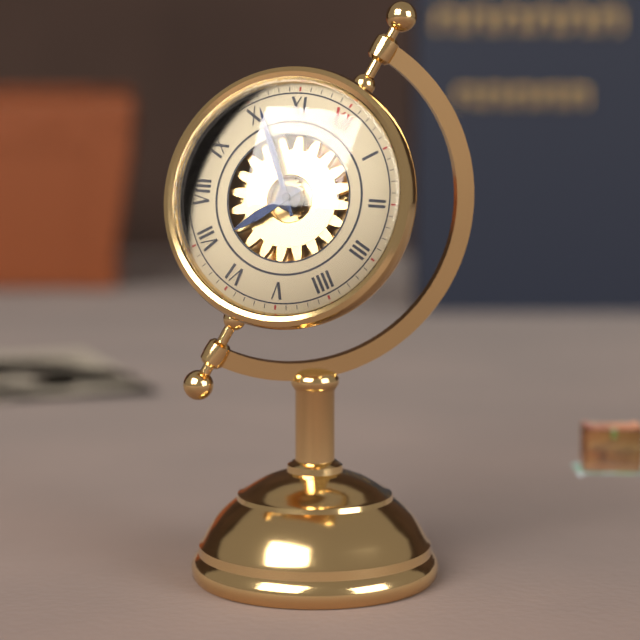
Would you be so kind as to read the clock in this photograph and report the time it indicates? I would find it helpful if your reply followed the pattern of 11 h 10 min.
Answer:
6 h 51 min
